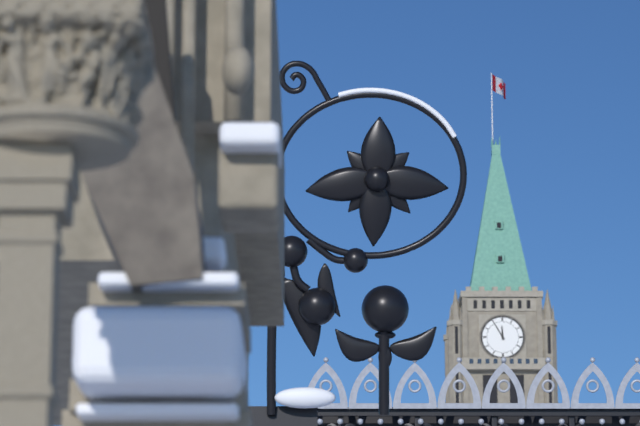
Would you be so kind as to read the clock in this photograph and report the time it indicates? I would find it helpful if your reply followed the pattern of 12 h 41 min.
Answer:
11 h 55 min
